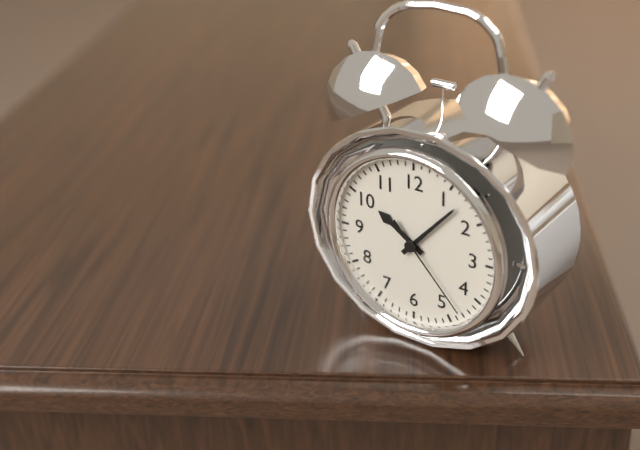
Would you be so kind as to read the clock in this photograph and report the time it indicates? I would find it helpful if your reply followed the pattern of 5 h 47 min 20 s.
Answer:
10 h 07 min 23 s
